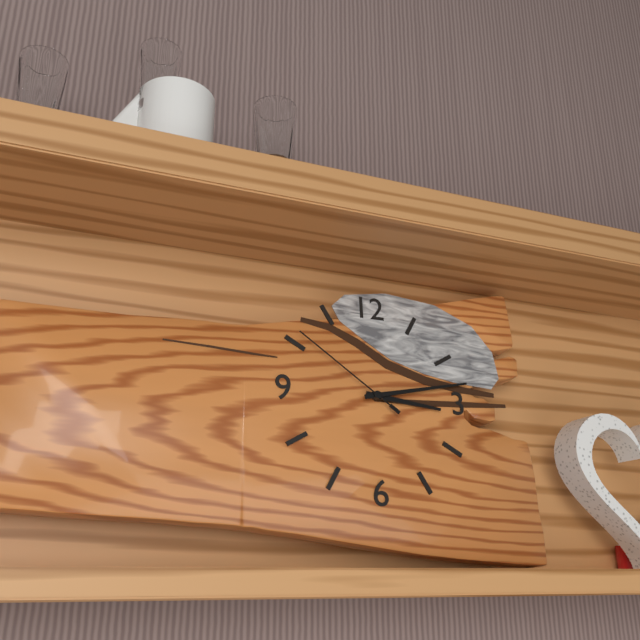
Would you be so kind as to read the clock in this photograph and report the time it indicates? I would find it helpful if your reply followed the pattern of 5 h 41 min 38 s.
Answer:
3 h 13 min 51 s
